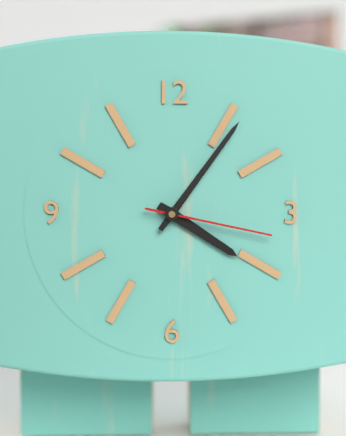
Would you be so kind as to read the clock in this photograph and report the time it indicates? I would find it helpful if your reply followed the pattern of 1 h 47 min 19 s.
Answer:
4 h 06 min 17 s
